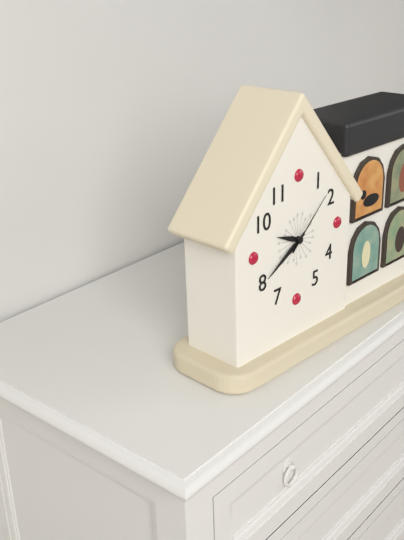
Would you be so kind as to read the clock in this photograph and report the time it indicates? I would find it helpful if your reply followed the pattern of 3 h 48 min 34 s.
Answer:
9 h 40 min 08 s
